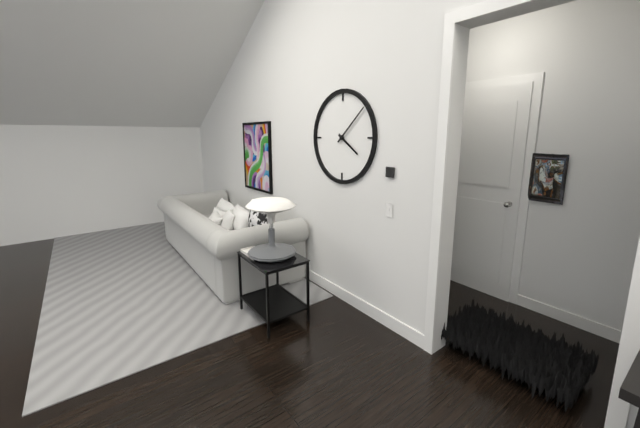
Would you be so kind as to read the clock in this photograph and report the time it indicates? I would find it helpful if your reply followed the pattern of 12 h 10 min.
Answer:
4 h 08 min
